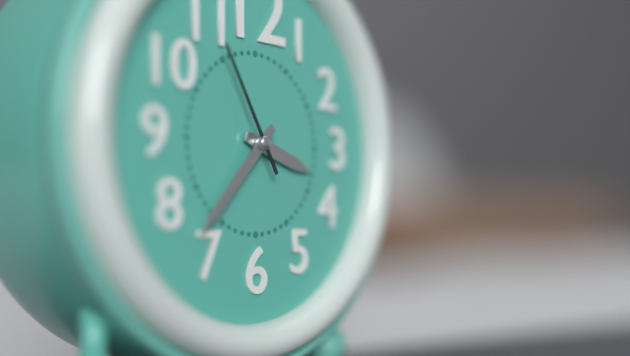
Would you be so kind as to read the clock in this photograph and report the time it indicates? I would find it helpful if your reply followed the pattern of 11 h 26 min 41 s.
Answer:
3 h 37 min 55 s
